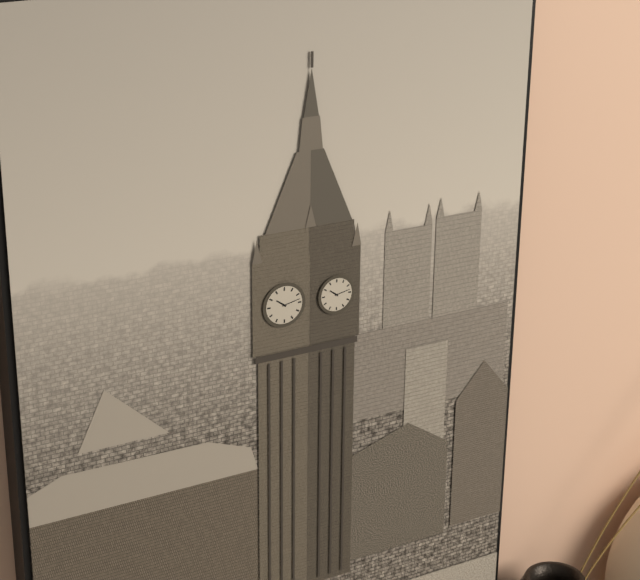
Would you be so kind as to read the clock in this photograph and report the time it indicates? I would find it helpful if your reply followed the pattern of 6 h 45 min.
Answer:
10 h 13 min
